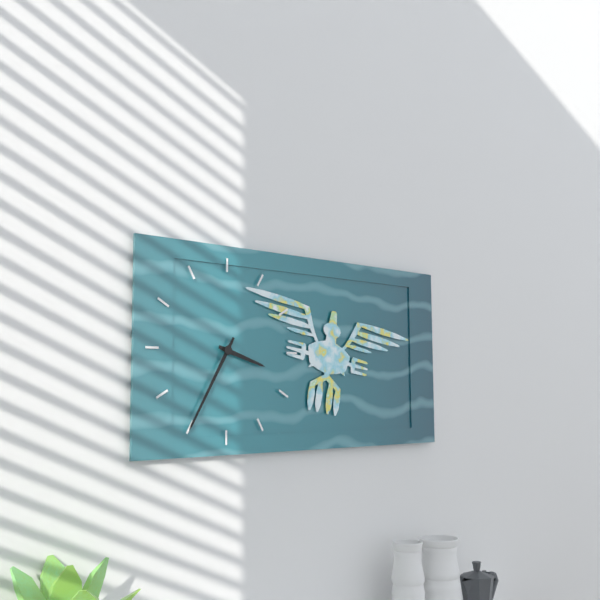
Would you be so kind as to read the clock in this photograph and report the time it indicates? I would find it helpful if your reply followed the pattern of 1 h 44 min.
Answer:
3 h 35 min
